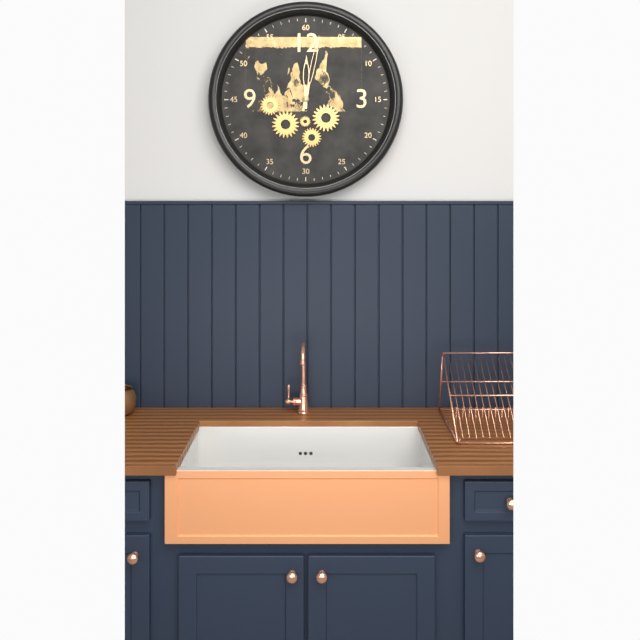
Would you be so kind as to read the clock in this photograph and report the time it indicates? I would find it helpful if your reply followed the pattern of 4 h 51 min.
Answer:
12 h 02 min
